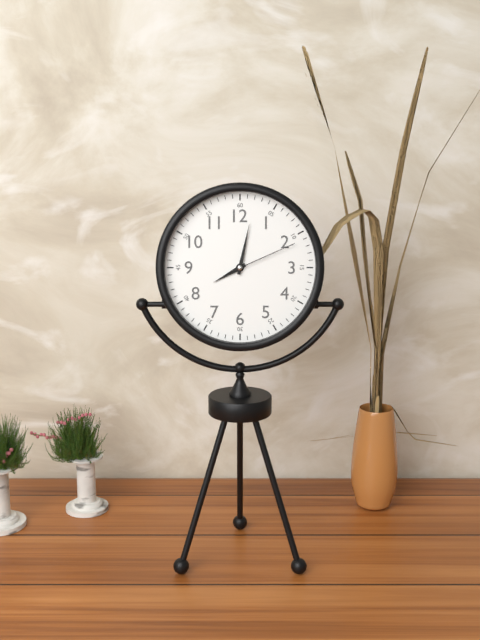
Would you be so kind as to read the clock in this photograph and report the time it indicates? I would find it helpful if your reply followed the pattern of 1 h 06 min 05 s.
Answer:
8 h 02 min 11 s
